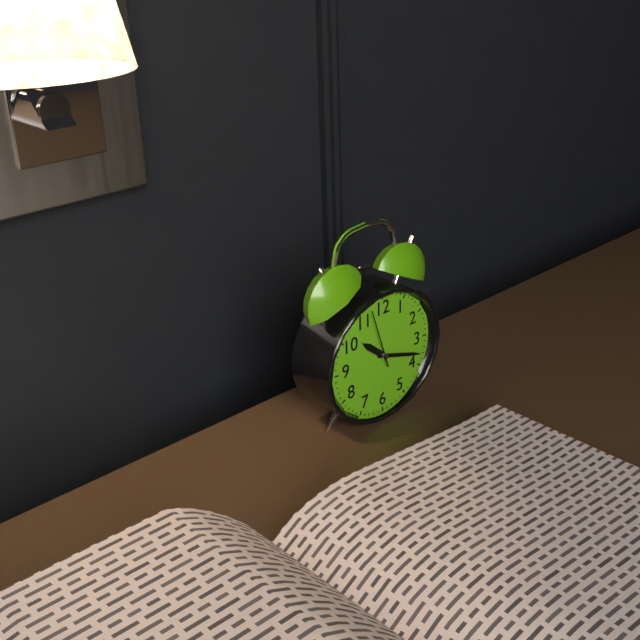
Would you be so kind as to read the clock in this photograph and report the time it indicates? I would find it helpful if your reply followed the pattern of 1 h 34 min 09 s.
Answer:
10 h 18 min 57 s
